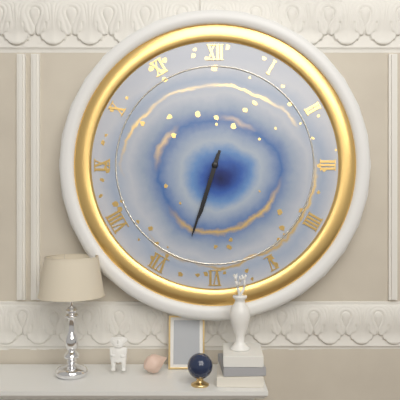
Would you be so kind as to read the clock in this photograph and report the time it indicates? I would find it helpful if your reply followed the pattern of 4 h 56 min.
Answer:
6 h 33 min
